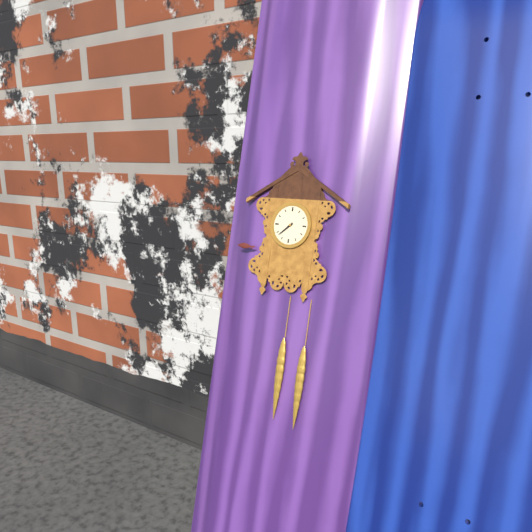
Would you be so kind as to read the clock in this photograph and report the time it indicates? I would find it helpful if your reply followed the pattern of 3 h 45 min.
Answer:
7 h 38 min
